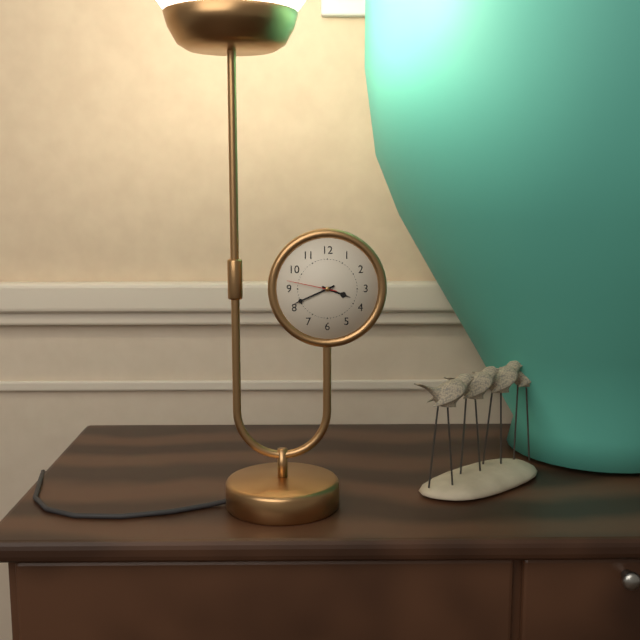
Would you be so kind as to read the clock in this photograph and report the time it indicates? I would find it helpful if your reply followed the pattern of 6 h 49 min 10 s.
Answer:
3 h 41 min 47 s
